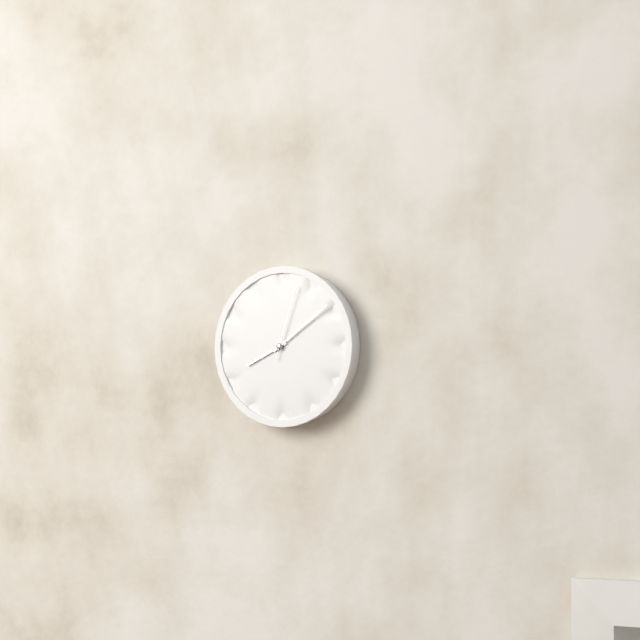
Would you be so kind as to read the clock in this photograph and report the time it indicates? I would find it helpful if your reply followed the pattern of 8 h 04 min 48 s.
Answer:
8 h 09 min 03 s
